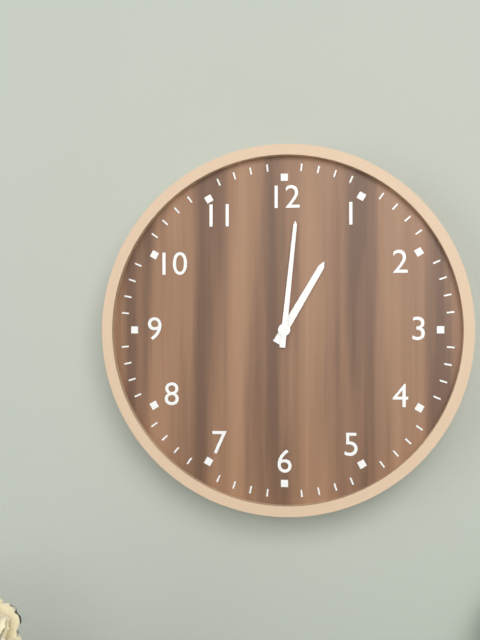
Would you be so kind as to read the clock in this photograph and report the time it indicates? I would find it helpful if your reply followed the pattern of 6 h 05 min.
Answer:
1 h 01 min
